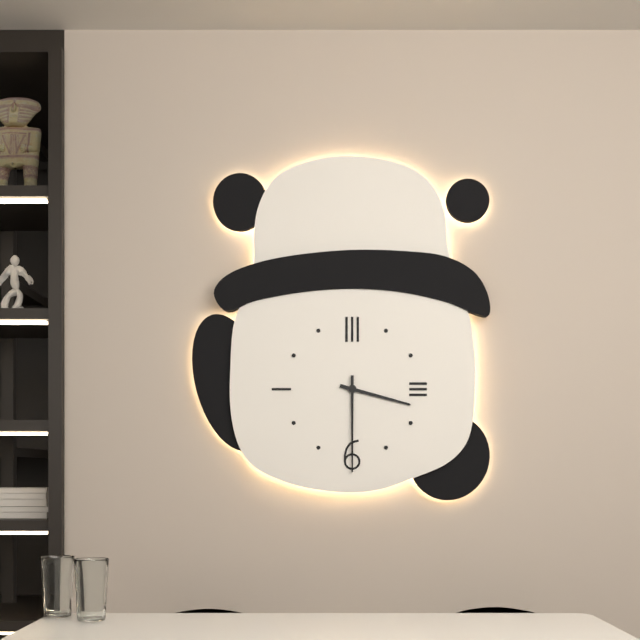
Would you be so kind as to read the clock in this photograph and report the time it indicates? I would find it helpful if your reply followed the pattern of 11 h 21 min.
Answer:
3 h 30 min
